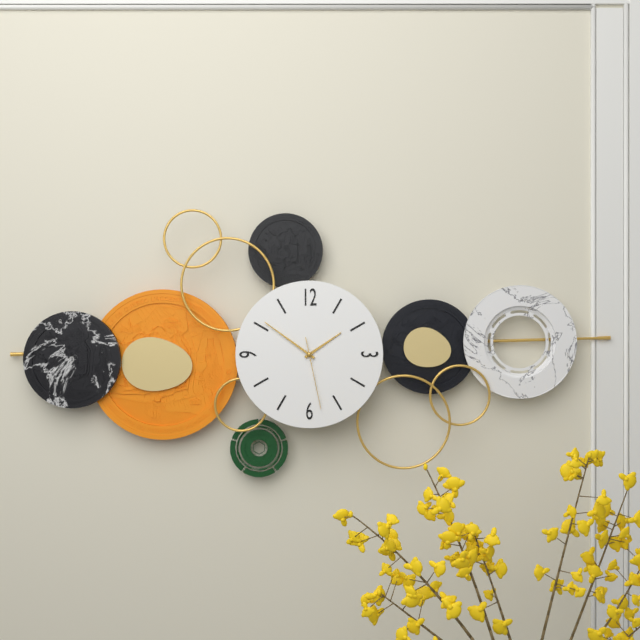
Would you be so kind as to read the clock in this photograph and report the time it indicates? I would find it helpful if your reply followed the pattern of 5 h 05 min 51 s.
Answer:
1 h 51 min 28 s
